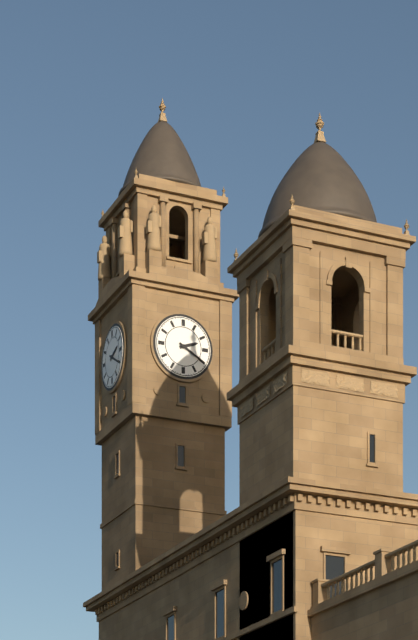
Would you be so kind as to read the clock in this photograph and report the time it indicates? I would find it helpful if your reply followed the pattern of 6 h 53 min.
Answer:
2 h 20 min
